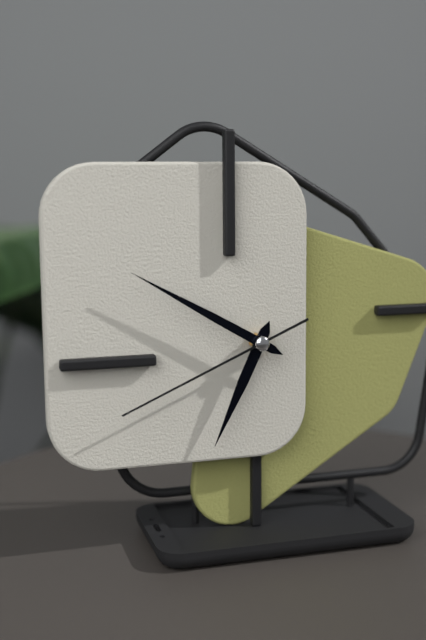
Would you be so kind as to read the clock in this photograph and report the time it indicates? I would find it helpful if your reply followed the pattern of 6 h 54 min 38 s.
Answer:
6 h 50 min 41 s
